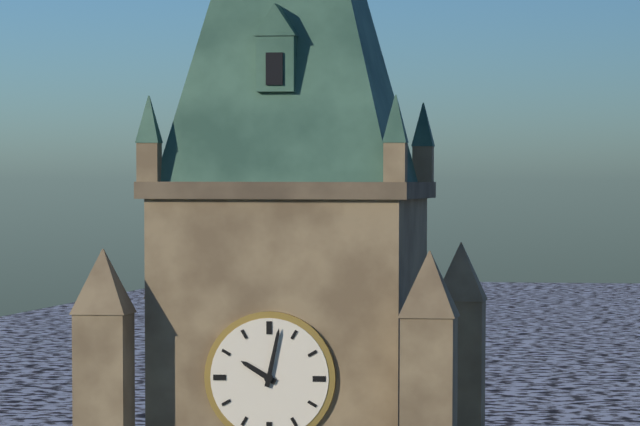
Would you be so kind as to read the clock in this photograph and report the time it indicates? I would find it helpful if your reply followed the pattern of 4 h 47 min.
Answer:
10 h 02 min
